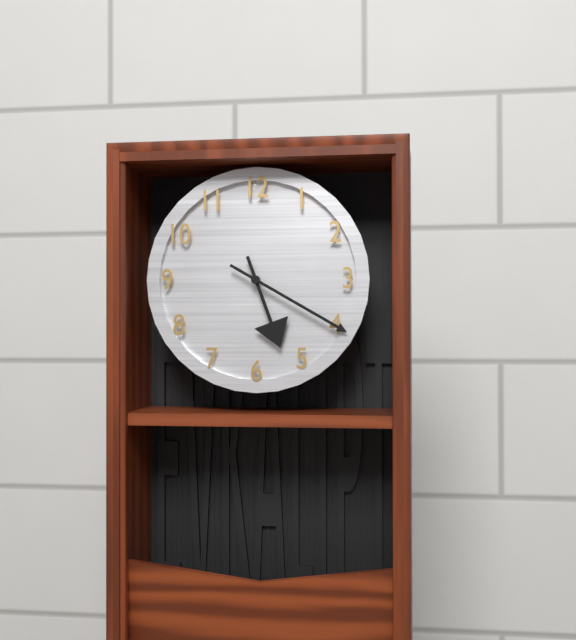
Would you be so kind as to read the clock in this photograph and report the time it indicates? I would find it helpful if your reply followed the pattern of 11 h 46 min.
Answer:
5 h 20 min
